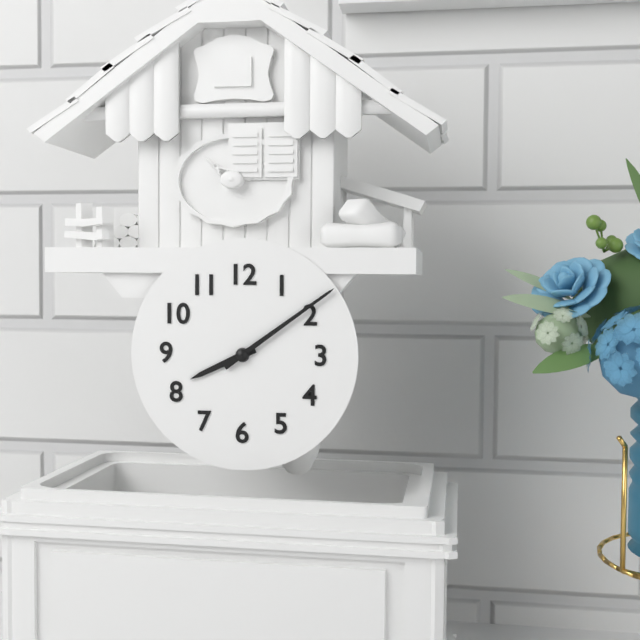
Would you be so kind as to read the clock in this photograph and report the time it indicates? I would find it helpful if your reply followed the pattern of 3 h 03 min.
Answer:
8 h 09 min
